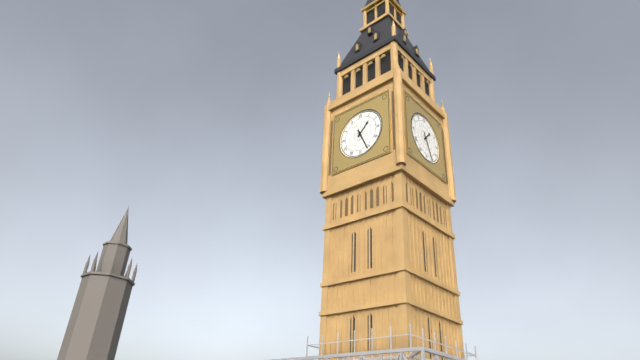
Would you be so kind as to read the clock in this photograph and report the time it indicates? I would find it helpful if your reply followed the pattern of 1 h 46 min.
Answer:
1 h 26 min
